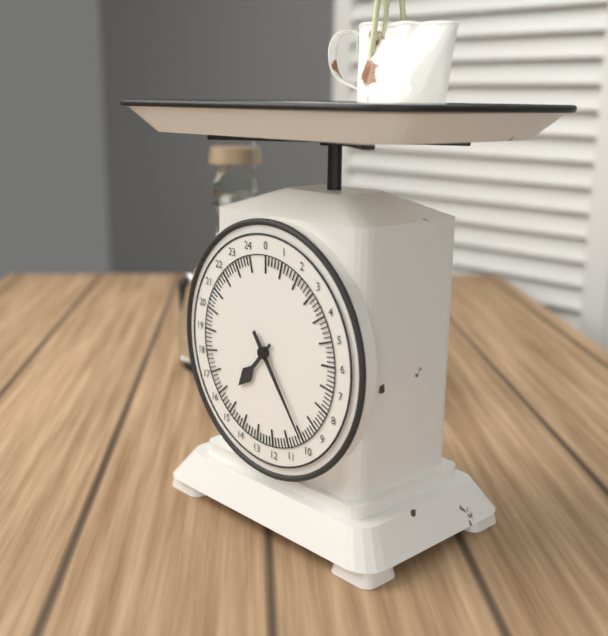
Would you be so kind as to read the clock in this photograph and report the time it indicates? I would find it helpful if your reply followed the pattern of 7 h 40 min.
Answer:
7 h 24 min
